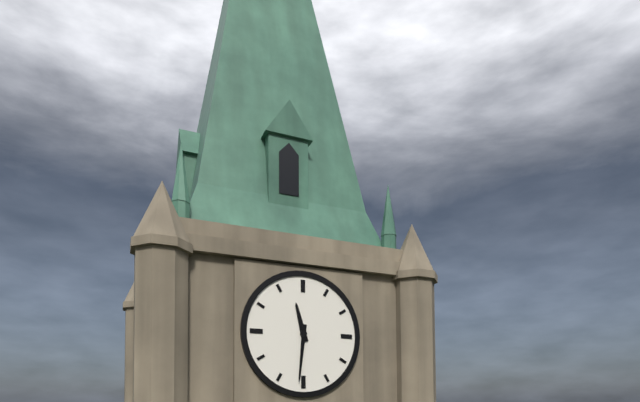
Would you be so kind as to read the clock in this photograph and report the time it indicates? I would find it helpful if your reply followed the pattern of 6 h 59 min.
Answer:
11 h 31 min
